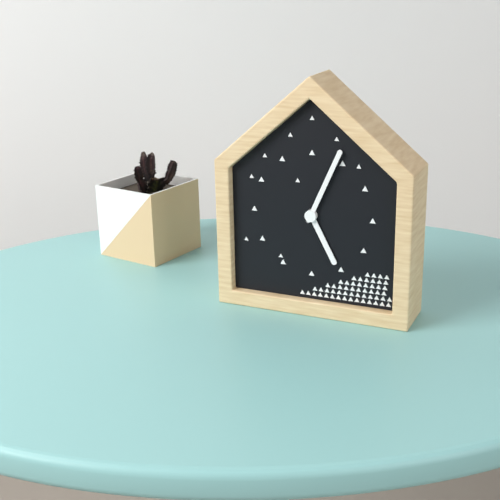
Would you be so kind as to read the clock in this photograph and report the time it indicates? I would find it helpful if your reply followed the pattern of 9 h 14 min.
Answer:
5 h 04 min
